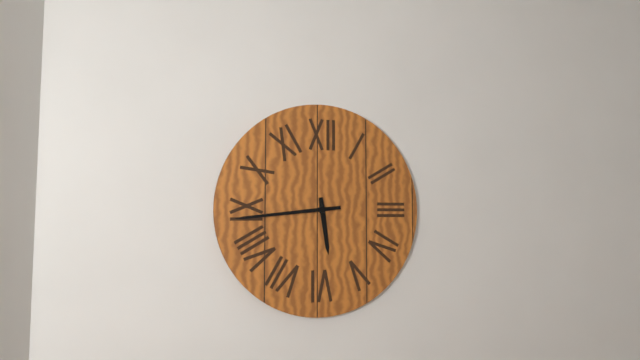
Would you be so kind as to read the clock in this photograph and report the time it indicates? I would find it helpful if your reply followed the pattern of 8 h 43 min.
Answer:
5 h 44 min
